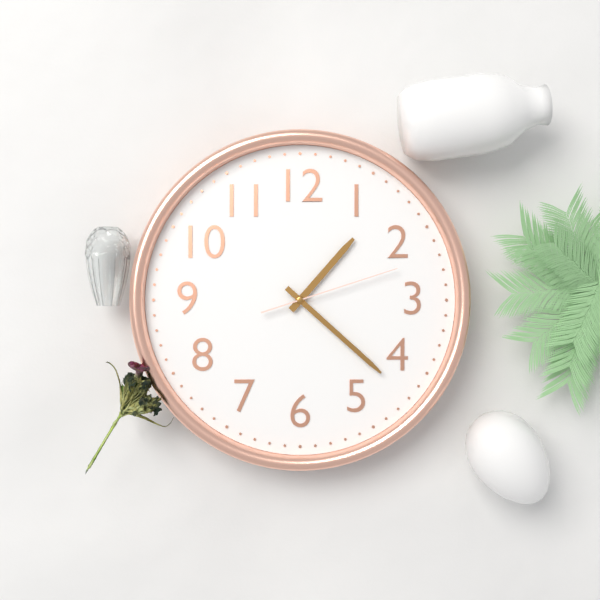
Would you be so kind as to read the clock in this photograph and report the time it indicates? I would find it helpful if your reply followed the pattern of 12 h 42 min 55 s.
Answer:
1 h 22 min 12 s
